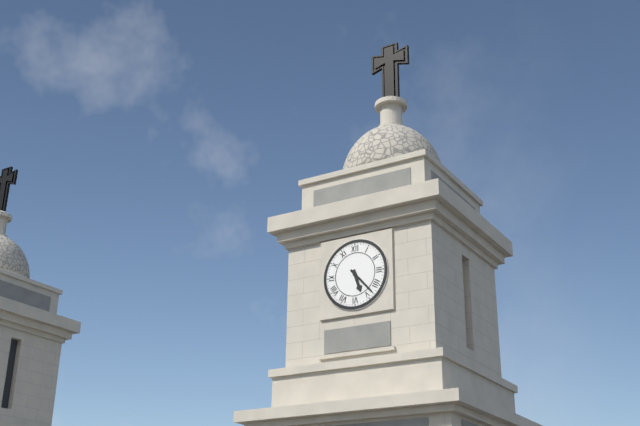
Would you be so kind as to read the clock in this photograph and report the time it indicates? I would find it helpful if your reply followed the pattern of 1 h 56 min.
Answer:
5 h 23 min
